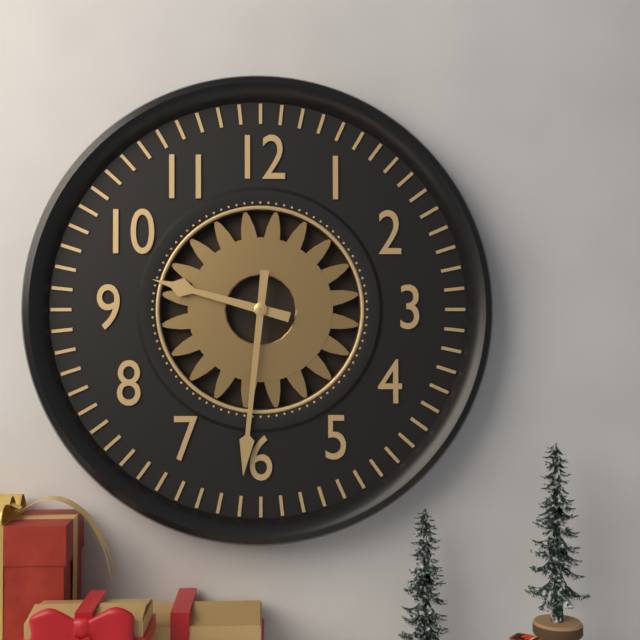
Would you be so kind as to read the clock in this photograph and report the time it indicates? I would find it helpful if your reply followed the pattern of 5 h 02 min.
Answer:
9 h 31 min
